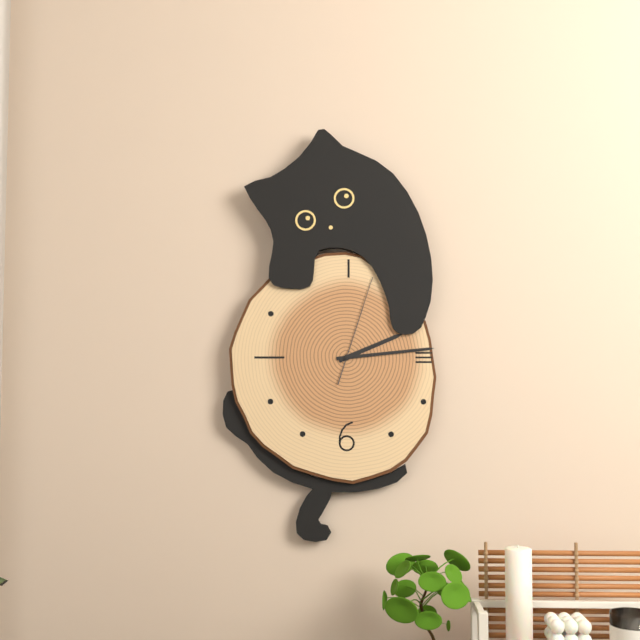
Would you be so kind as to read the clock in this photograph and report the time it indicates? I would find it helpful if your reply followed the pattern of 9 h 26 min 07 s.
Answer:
2 h 14 min 03 s
